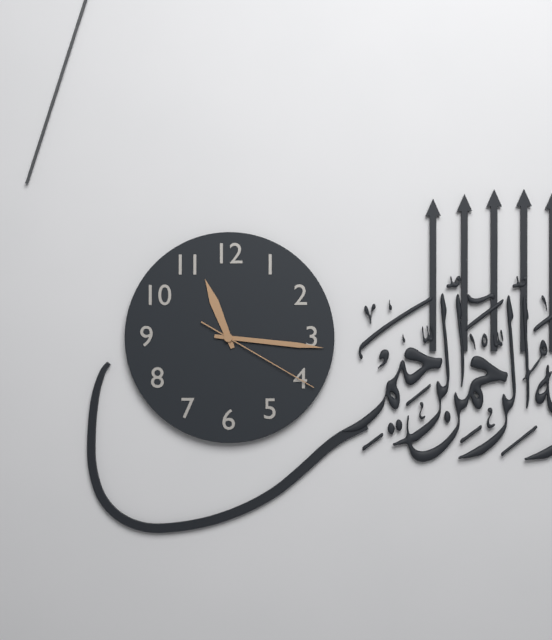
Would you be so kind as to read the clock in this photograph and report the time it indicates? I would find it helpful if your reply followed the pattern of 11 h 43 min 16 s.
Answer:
11 h 16 min 20 s
